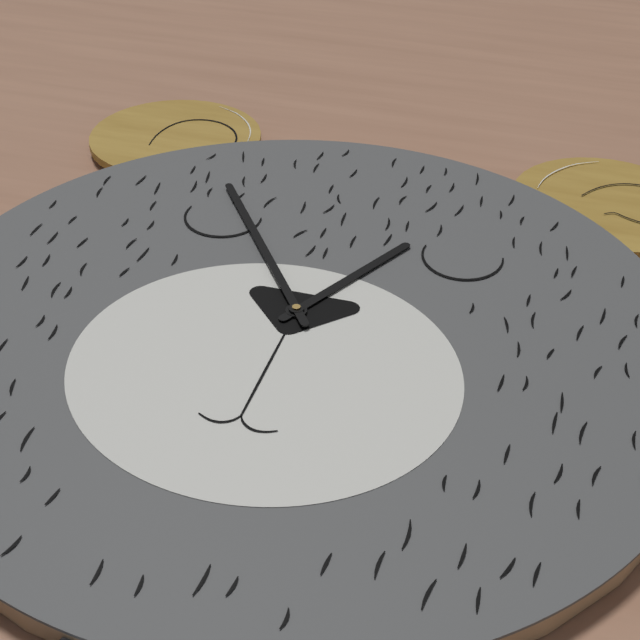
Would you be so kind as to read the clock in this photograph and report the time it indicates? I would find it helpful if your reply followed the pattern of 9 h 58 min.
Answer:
12 h 54 min
